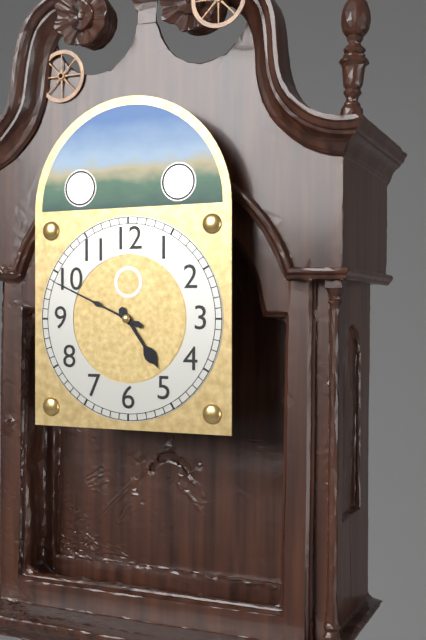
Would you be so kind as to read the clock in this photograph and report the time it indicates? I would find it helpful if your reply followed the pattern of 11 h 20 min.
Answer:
4 h 49 min
